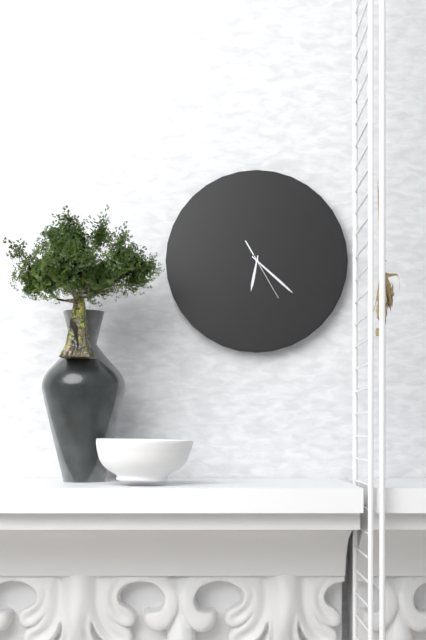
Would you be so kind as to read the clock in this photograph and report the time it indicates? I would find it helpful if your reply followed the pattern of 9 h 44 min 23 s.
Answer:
6 h 22 min 25 s
